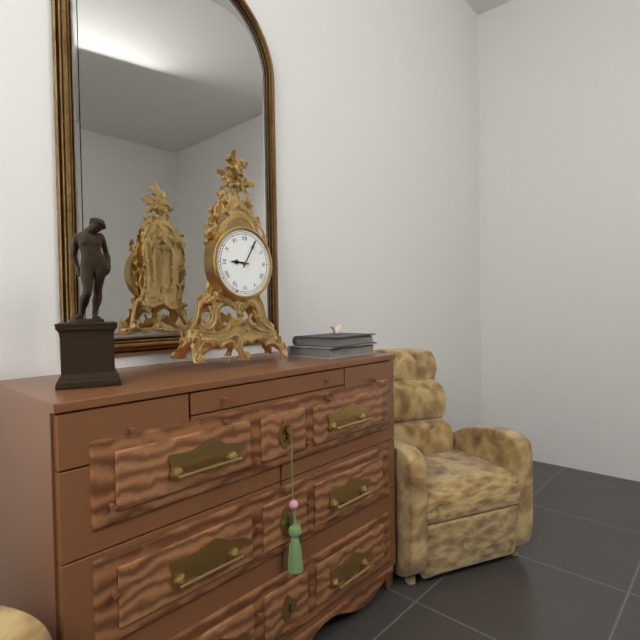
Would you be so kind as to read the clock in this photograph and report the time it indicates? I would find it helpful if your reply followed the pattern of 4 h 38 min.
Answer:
9 h 05 min
